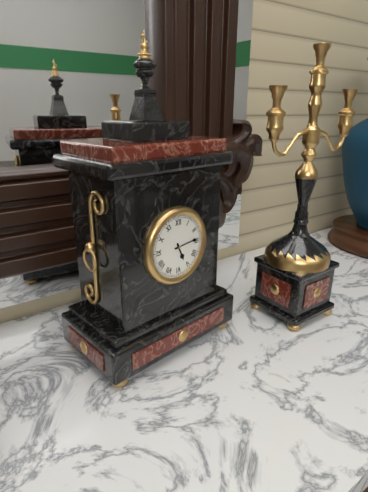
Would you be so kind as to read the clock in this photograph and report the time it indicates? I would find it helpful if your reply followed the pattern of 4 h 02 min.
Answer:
5 h 14 min
